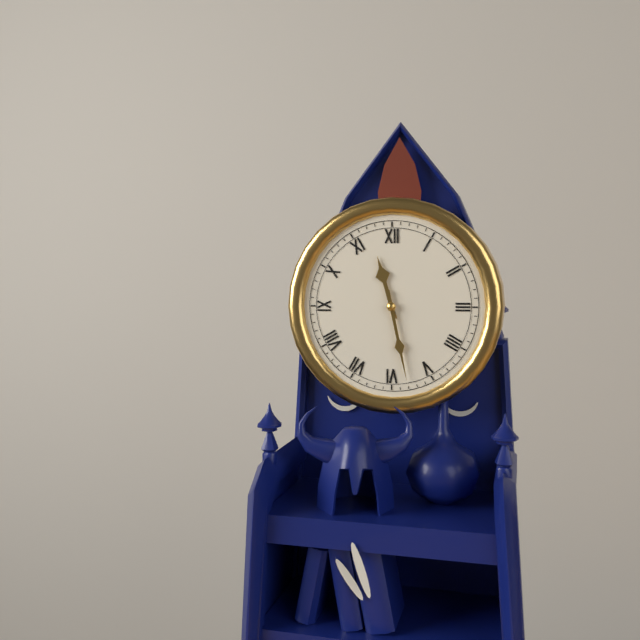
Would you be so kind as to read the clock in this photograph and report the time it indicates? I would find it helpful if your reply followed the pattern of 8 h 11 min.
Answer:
11 h 28 min
